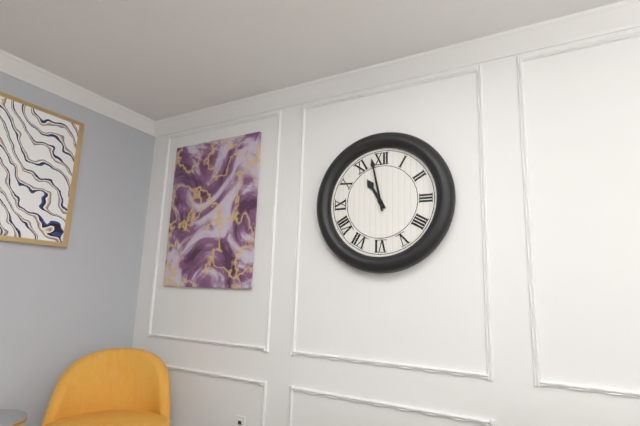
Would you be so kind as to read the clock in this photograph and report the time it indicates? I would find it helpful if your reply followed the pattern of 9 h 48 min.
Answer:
10 h 58 min
